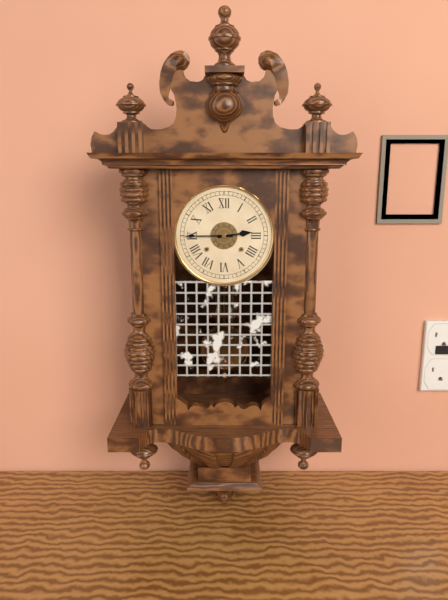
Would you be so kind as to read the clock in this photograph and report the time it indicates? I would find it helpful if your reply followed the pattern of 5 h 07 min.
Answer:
2 h 45 min
